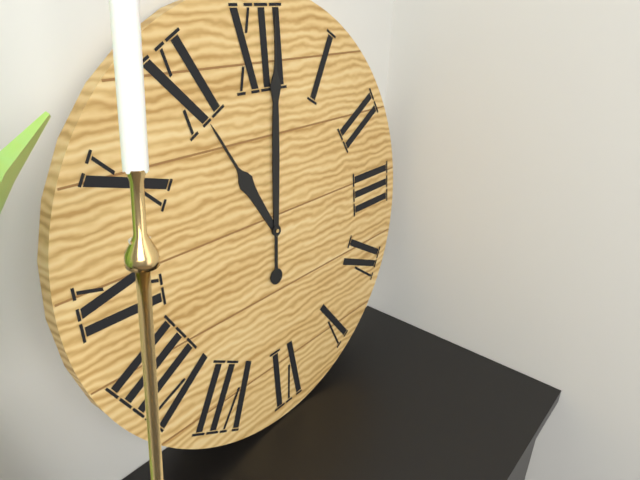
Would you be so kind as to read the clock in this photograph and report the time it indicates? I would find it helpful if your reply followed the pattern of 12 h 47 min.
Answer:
11 h 01 min
